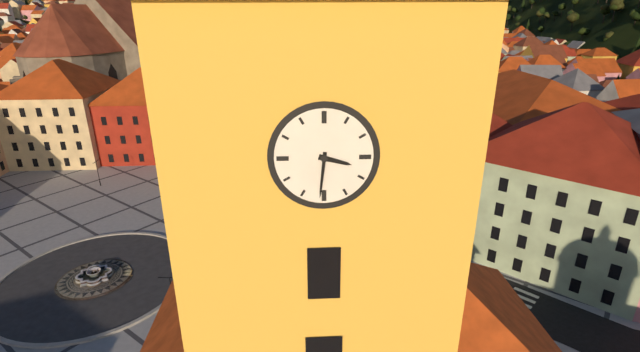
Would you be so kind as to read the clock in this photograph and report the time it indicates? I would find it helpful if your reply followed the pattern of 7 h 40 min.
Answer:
3 h 31 min
